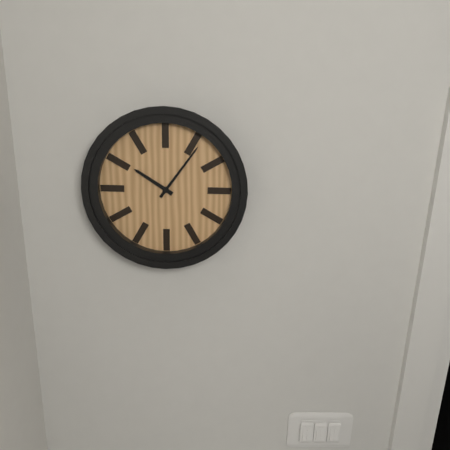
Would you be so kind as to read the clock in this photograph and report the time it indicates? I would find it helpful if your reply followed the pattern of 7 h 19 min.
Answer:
10 h 06 min
